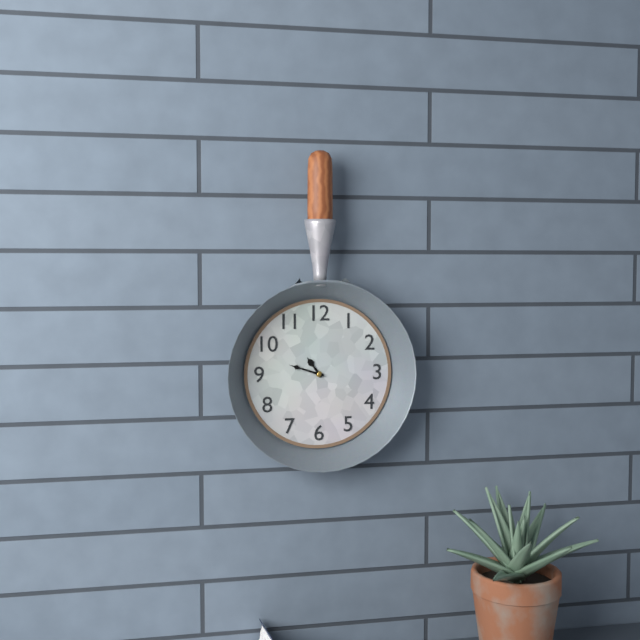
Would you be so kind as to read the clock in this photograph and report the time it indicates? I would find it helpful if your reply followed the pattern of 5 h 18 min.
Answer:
10 h 48 min
